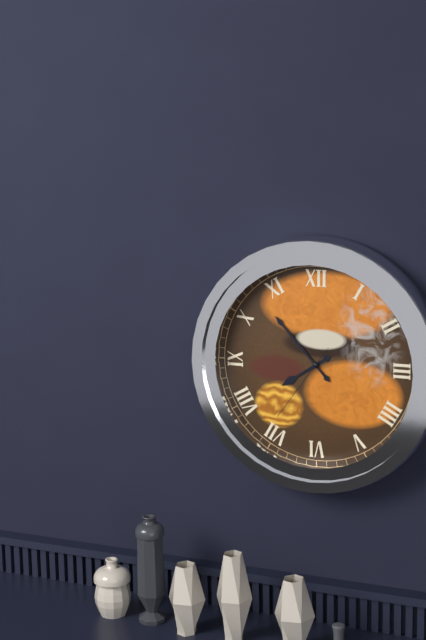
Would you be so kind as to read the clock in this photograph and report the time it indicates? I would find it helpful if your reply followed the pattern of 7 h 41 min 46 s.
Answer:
7 h 53 min 36 s
